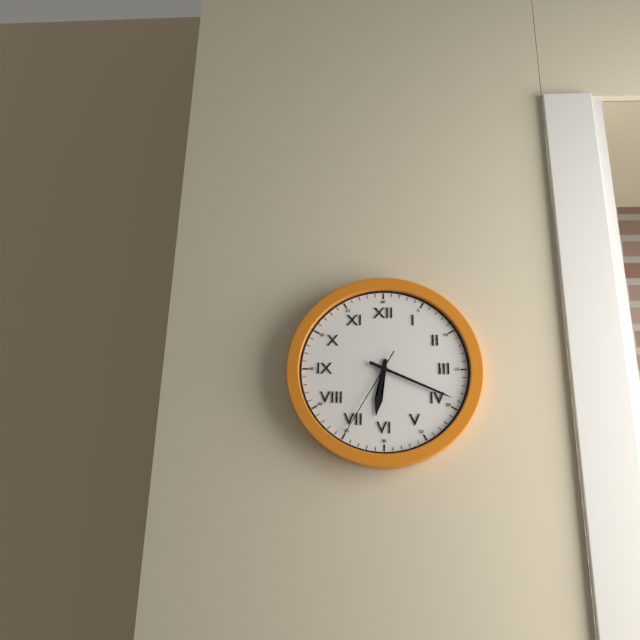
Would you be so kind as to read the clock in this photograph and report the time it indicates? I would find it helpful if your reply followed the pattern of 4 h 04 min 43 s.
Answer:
6 h 19 min 35 s
